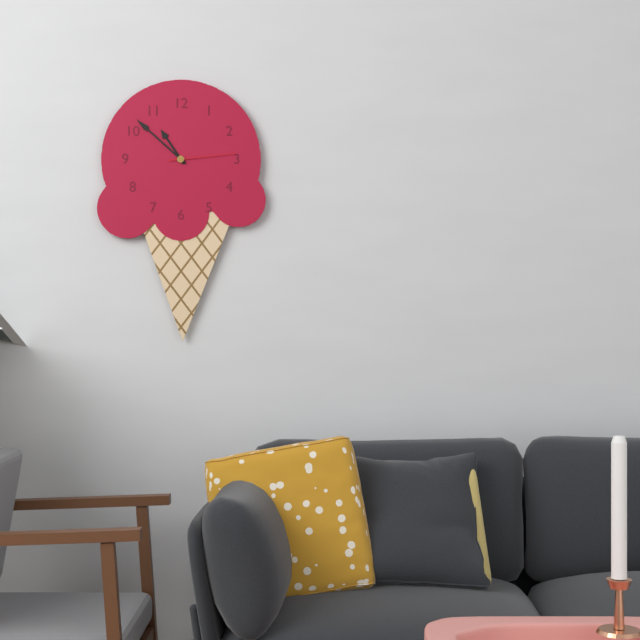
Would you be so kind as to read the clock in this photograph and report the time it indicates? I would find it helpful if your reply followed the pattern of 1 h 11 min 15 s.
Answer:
10 h 52 min 14 s
